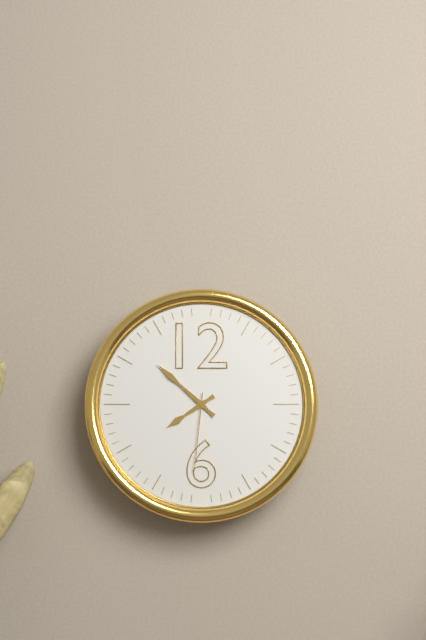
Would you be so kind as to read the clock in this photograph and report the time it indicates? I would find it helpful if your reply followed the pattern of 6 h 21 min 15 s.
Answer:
7 h 52 min 31 s
